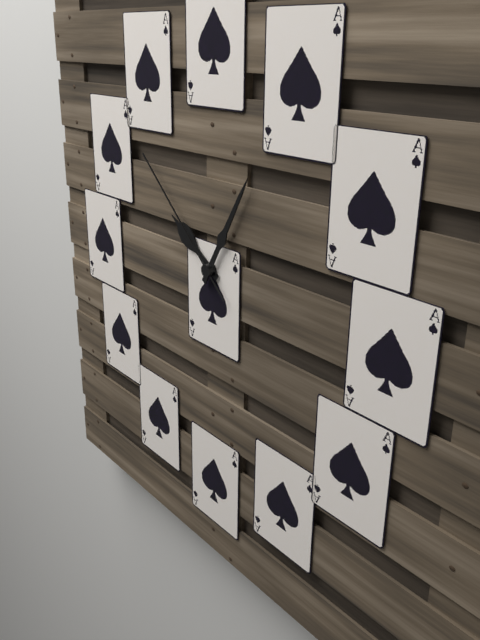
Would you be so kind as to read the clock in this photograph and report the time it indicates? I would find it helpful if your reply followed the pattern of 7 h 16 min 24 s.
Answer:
10 h 05 min 52 s
